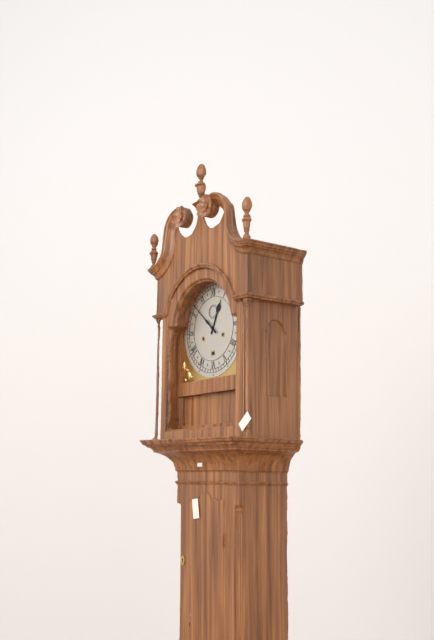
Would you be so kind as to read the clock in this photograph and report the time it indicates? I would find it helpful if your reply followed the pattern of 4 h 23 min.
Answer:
12 h 52 min
